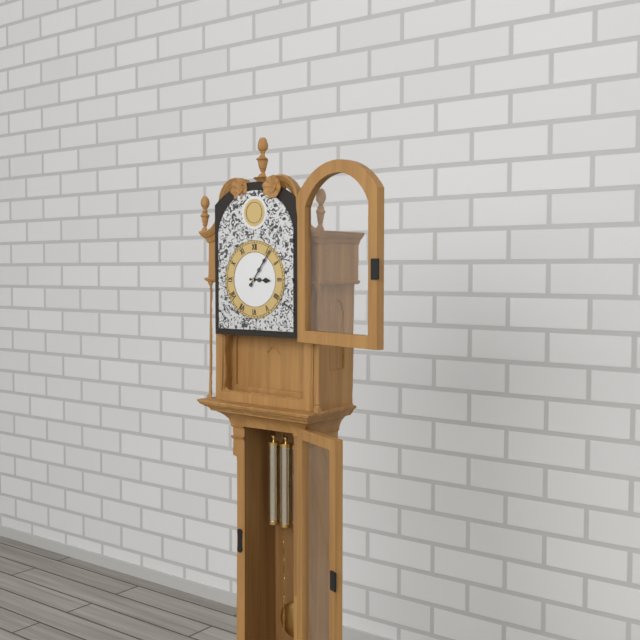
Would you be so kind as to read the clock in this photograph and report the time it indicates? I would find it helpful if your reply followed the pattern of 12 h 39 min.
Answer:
3 h 06 min
